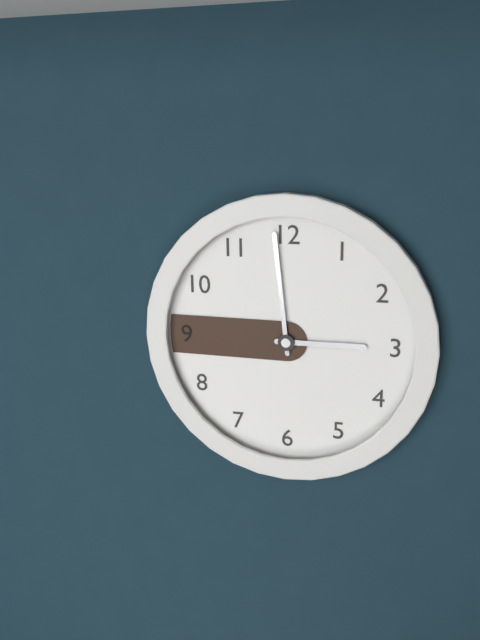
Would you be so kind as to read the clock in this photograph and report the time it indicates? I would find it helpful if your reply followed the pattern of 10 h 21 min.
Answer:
2 h 59 min
